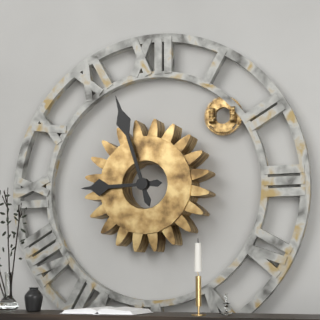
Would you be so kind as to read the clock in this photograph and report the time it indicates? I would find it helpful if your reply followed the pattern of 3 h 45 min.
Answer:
8 h 57 min
